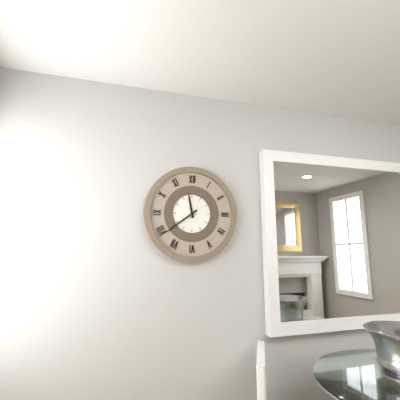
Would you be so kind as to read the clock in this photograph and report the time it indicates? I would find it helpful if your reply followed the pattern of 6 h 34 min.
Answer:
11 h 39 min
